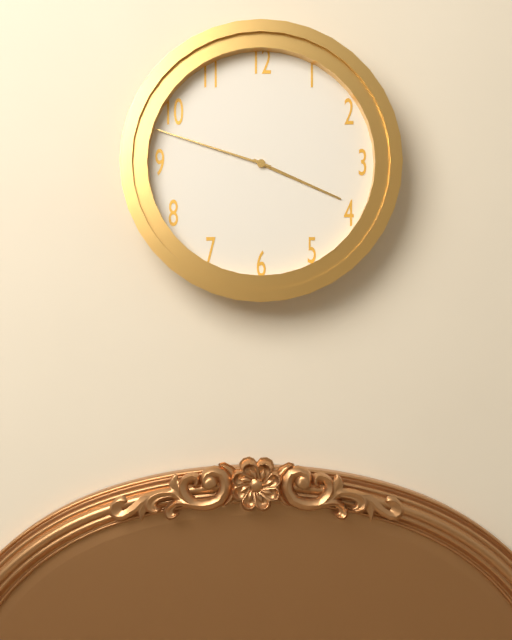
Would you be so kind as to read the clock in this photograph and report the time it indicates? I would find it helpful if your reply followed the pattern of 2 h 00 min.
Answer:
3 h 48 min
